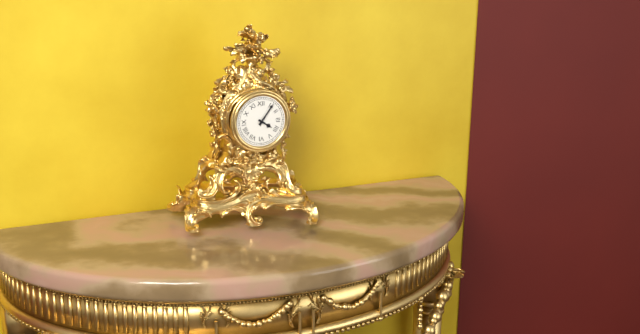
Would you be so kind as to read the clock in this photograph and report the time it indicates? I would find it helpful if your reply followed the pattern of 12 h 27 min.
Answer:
4 h 06 min
